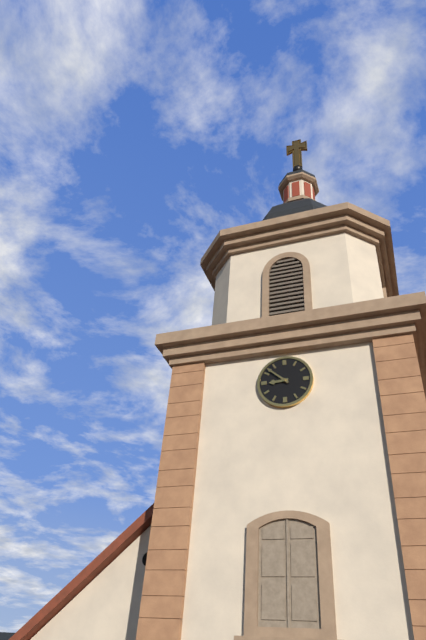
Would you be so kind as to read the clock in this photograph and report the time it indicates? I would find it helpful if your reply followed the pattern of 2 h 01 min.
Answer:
8 h 52 min
